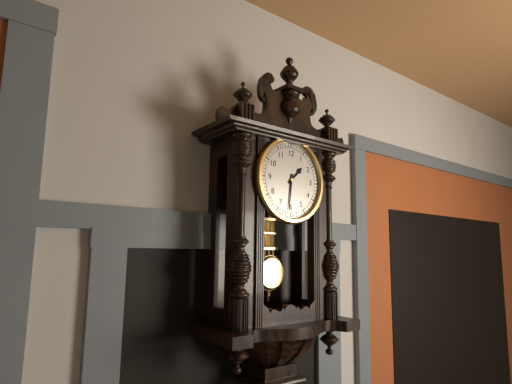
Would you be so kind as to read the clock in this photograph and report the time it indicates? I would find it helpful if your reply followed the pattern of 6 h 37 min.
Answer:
1 h 31 min
